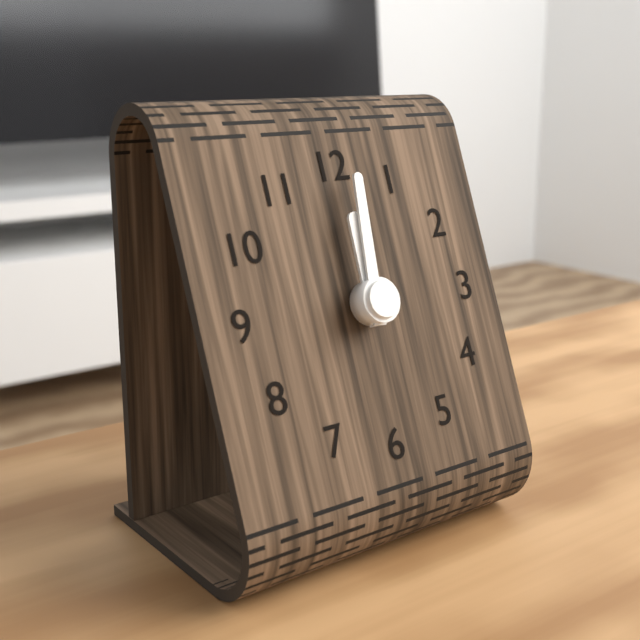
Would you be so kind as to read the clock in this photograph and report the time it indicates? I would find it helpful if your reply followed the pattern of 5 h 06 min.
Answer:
12 h 01 min
